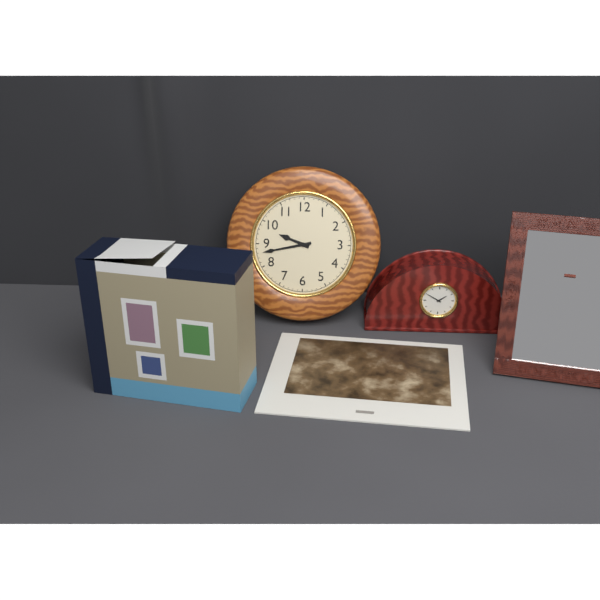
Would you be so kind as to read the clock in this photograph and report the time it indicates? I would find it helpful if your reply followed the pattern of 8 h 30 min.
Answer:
9 h 43 min
